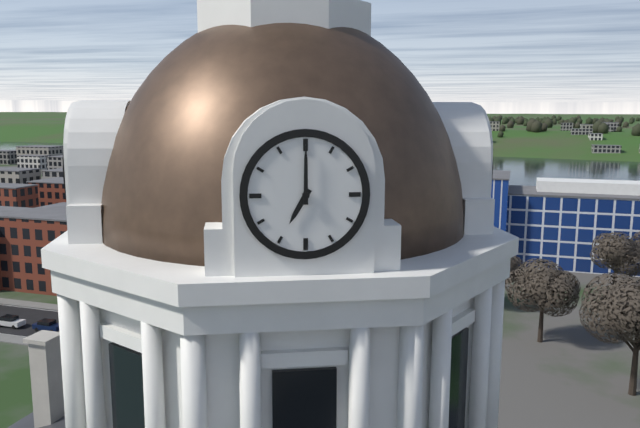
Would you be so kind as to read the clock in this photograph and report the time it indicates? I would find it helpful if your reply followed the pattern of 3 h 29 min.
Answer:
7 h 00 min
